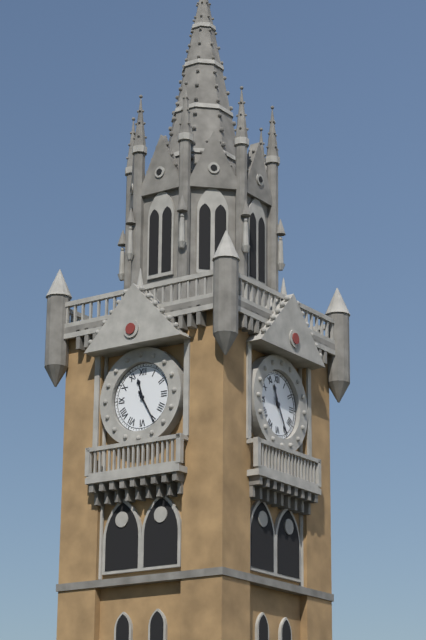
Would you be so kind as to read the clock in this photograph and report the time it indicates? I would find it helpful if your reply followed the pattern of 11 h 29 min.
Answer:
11 h 25 min
